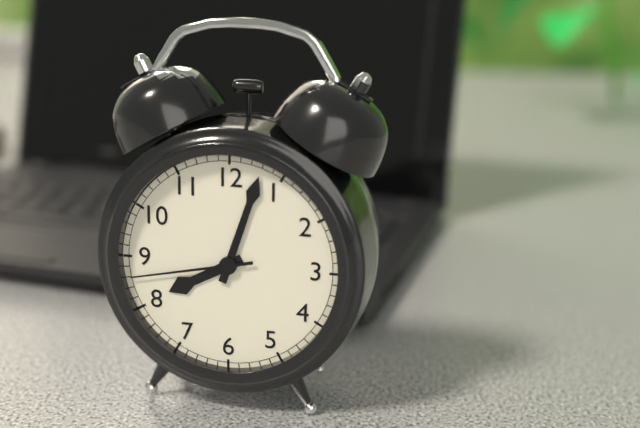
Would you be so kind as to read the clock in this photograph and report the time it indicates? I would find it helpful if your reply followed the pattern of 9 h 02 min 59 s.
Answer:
8 h 03 min 43 s
